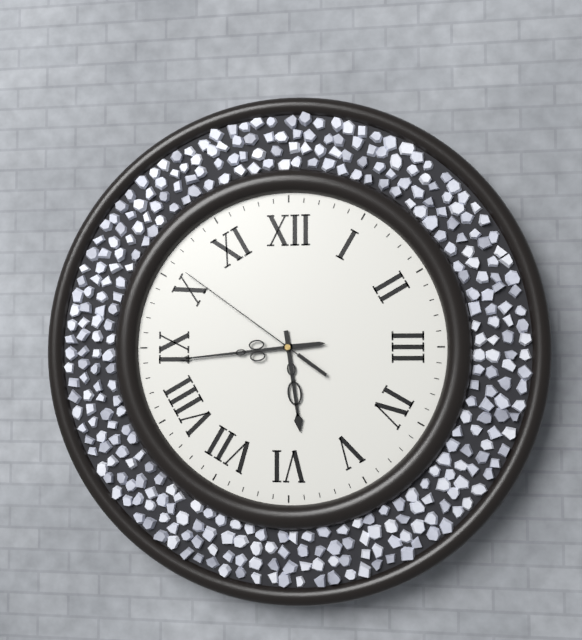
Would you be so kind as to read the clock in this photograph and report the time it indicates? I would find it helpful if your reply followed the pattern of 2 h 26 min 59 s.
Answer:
5 h 44 min 51 s
